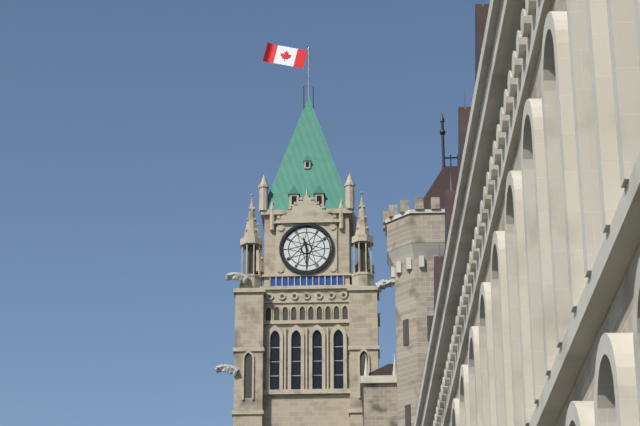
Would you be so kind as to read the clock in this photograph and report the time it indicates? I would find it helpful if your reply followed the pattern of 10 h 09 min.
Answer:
11 h 30 min
